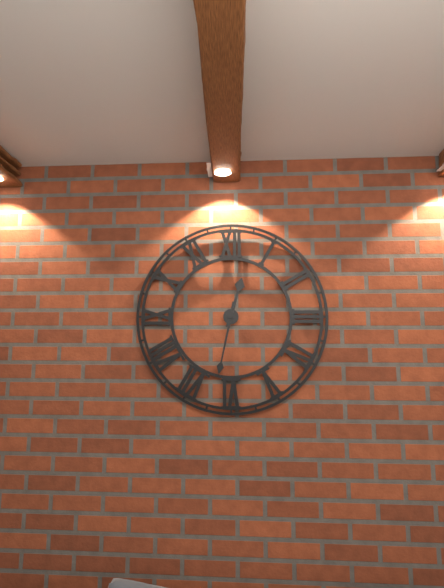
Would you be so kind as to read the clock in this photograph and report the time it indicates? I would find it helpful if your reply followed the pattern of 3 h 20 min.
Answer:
12 h 32 min
